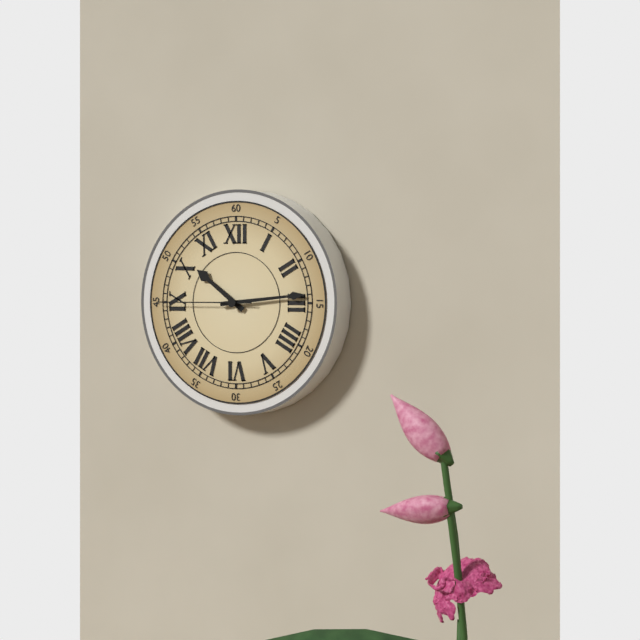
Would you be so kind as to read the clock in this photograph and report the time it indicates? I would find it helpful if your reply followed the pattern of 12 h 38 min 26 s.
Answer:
10 h 14 min 45 s
